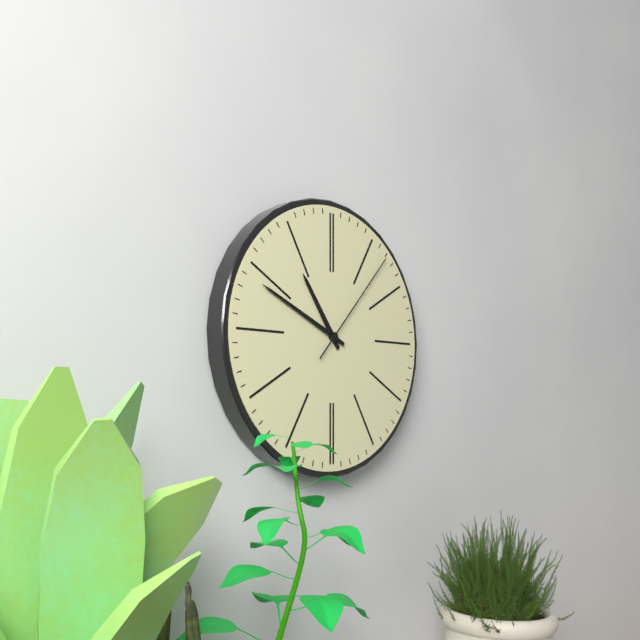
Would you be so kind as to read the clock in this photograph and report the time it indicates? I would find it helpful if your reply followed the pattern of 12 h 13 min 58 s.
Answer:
10 h 49 min 07 s
